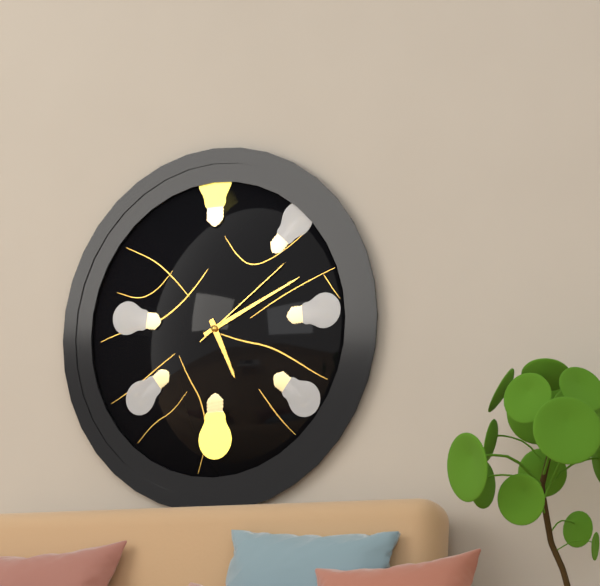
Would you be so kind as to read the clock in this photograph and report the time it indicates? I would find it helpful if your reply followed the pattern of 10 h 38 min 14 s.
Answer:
5 h 11 min 09 s
